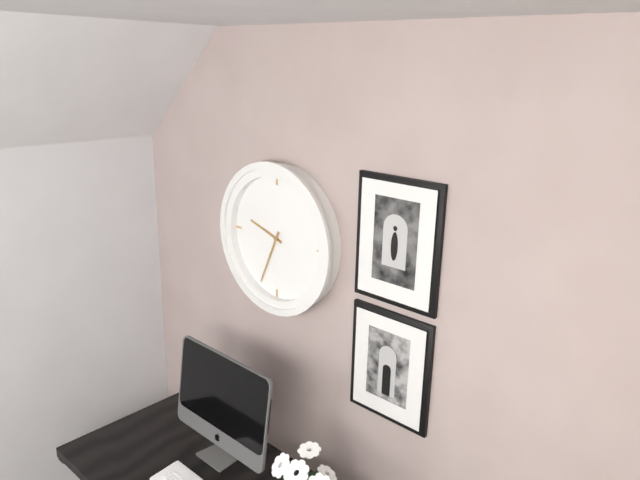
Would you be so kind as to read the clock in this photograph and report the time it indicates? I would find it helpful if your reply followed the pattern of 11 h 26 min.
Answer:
9 h 34 min
